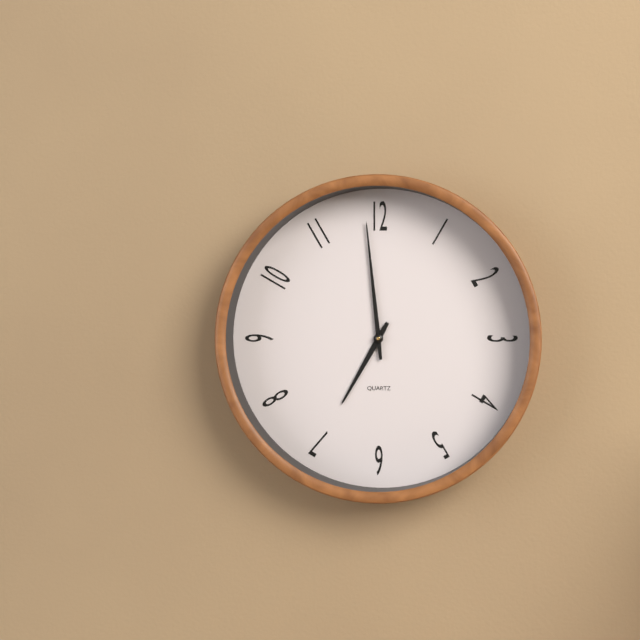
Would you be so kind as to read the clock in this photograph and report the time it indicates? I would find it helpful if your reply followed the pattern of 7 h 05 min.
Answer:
6 h 59 min
